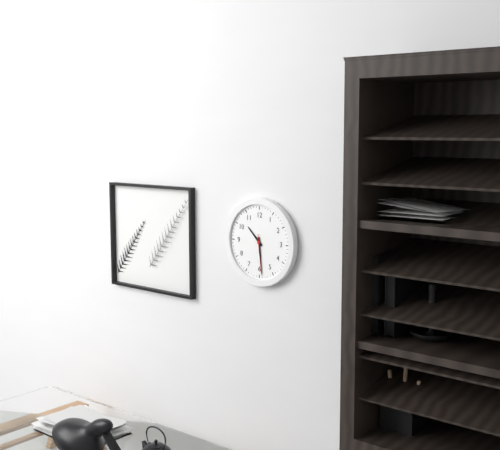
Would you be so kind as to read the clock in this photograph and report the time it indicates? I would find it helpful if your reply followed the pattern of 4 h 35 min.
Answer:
10 h 29 min
